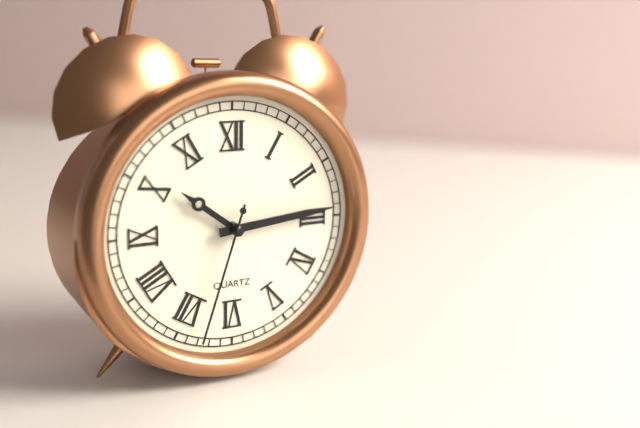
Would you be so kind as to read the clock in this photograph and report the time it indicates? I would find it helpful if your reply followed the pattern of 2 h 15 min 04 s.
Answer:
10 h 14 min 33 s
